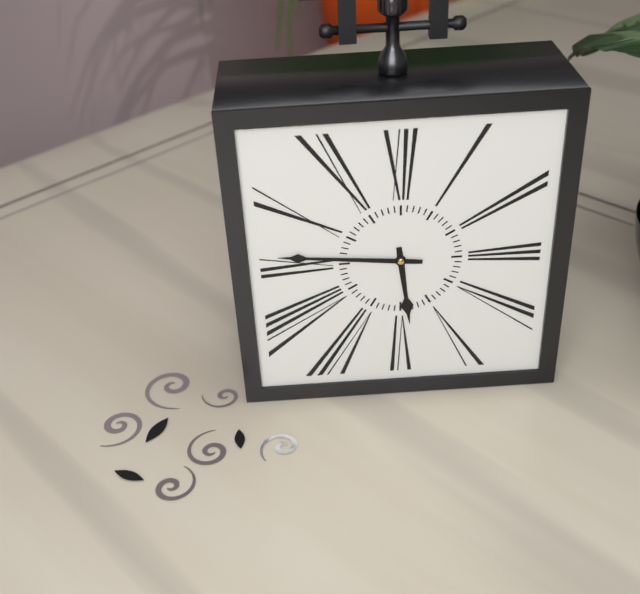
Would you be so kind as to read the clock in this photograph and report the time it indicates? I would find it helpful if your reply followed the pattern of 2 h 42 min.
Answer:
5 h 46 min
